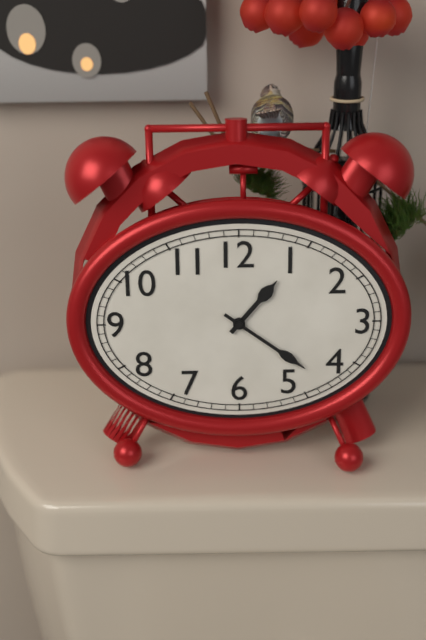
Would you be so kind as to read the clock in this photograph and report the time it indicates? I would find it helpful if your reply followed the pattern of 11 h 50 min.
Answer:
1 h 21 min
